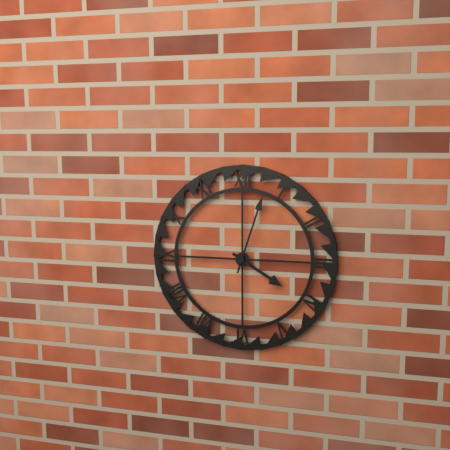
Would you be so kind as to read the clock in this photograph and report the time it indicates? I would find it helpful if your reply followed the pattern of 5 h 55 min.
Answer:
4 h 03 min
